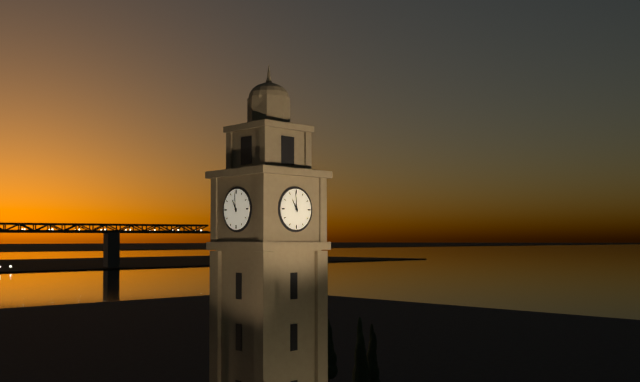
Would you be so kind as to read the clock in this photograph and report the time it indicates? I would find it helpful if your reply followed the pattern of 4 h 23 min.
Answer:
10 h 59 min
